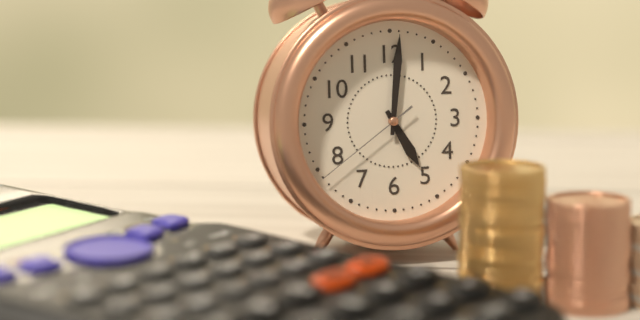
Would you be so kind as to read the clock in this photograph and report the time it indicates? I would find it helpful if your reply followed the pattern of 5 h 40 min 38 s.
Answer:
5 h 01 min 39 s
